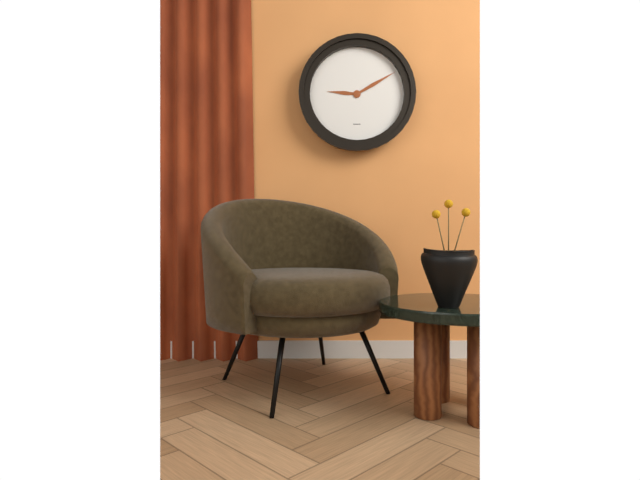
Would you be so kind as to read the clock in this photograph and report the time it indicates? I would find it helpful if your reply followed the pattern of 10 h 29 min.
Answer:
9 h 10 min
